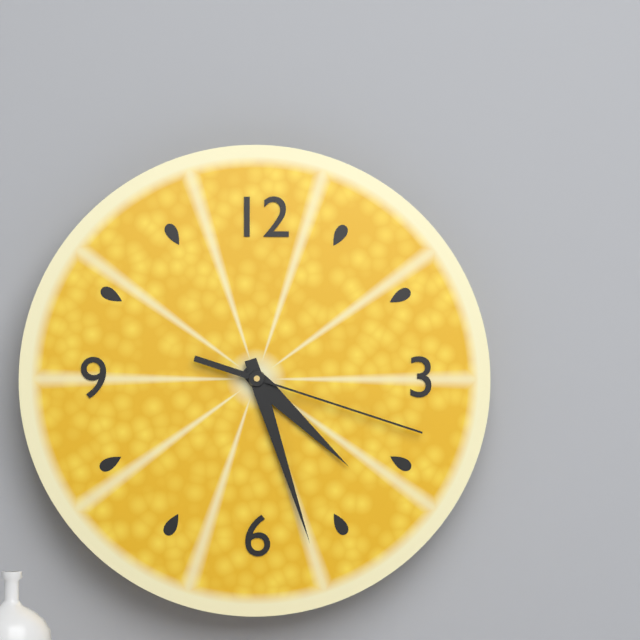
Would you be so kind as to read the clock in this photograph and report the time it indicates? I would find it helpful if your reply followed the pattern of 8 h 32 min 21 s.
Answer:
4 h 27 min 18 s
